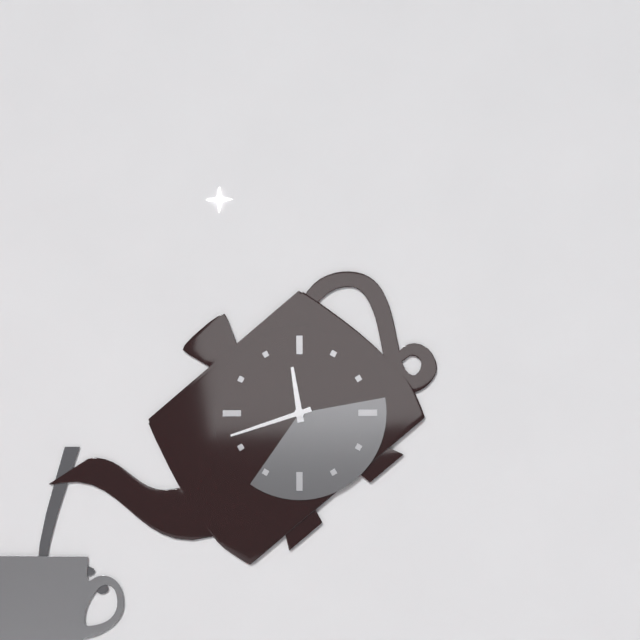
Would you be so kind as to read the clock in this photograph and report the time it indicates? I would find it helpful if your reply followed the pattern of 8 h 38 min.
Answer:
11 h 42 min
